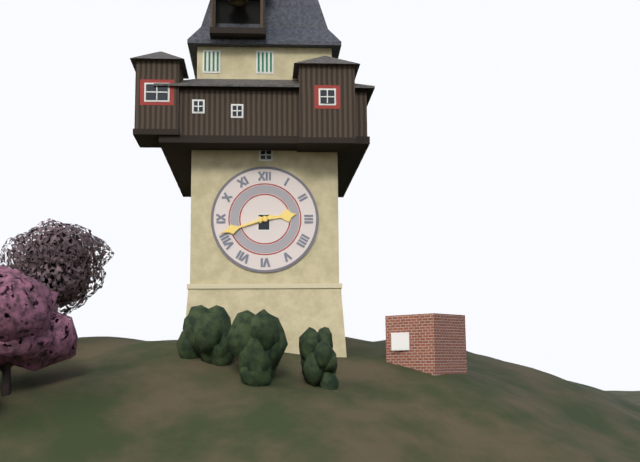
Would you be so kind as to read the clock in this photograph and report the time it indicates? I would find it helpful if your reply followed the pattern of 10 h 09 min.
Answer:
2 h 42 min
